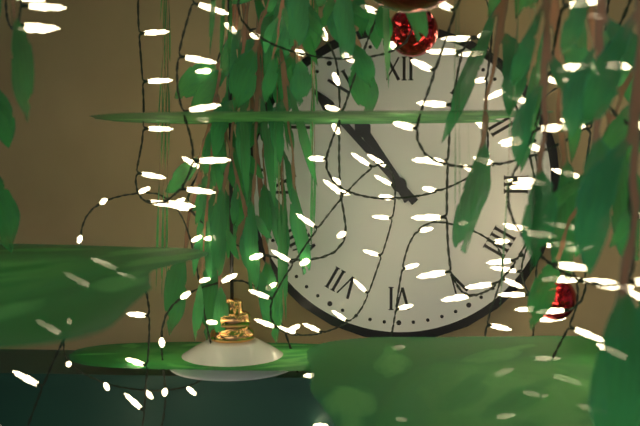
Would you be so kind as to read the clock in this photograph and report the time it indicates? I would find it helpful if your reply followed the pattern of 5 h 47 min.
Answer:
10 h 53 min
